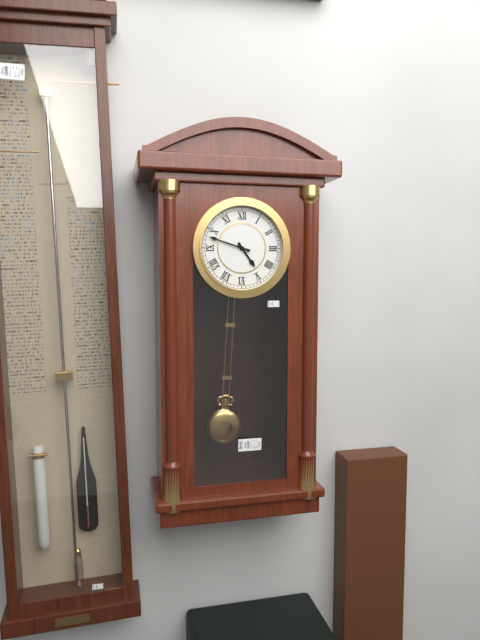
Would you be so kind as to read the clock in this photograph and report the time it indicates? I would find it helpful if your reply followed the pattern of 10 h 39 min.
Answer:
4 h 48 min
